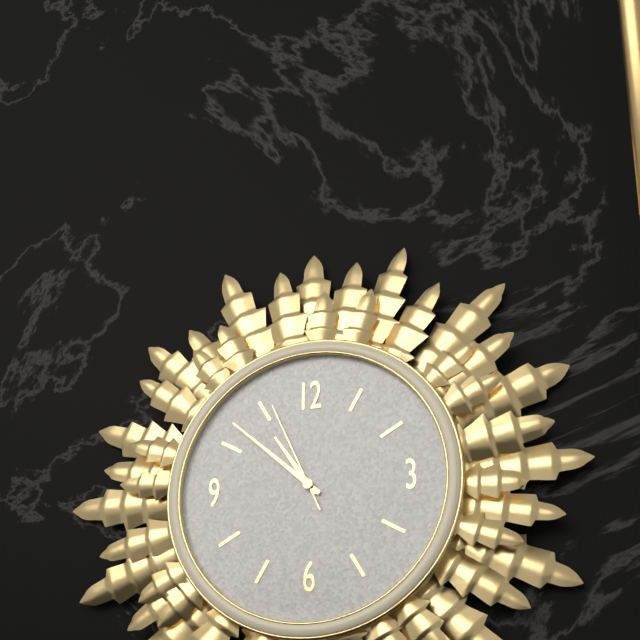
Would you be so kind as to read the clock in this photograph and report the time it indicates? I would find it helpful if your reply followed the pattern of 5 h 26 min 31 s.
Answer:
10 h 52 min 56 s
